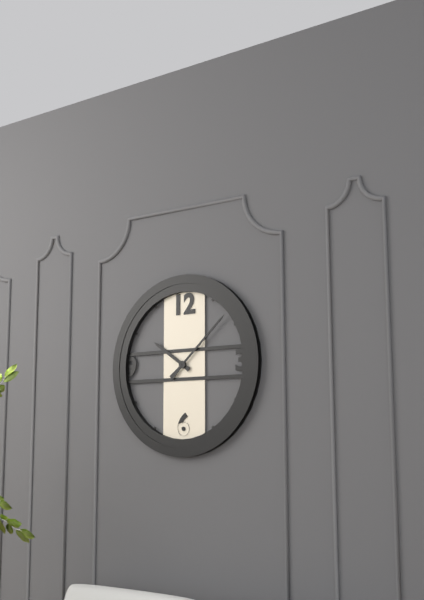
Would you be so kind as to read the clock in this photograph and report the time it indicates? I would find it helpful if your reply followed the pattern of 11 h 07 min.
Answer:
10 h 08 min
